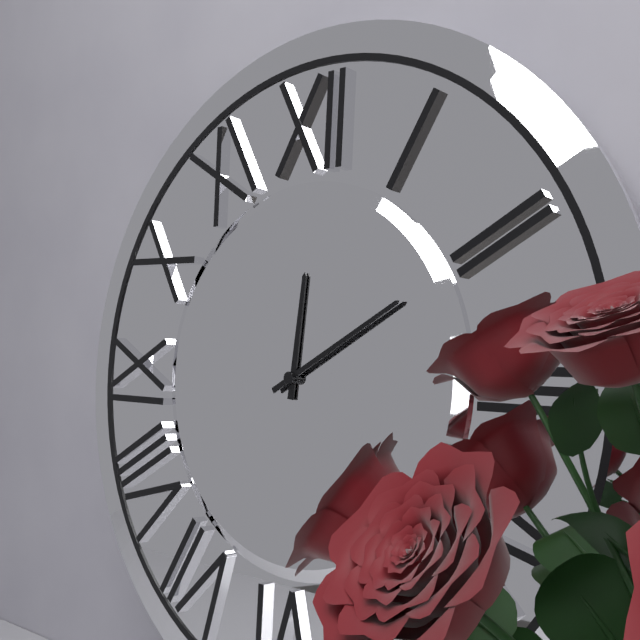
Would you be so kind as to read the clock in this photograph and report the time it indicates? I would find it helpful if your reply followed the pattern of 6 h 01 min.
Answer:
12 h 10 min
